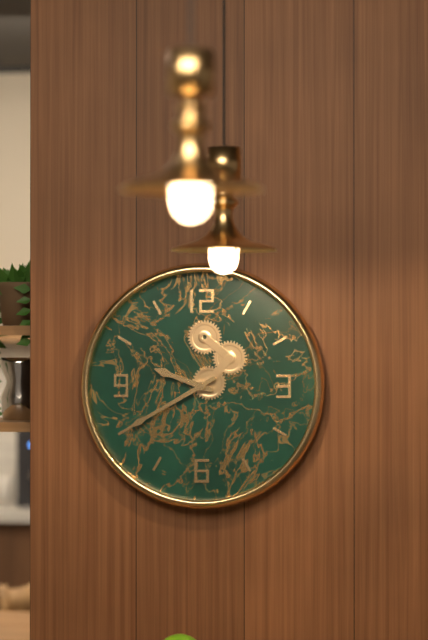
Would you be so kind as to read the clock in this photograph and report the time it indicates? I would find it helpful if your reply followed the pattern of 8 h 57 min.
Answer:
9 h 40 min
